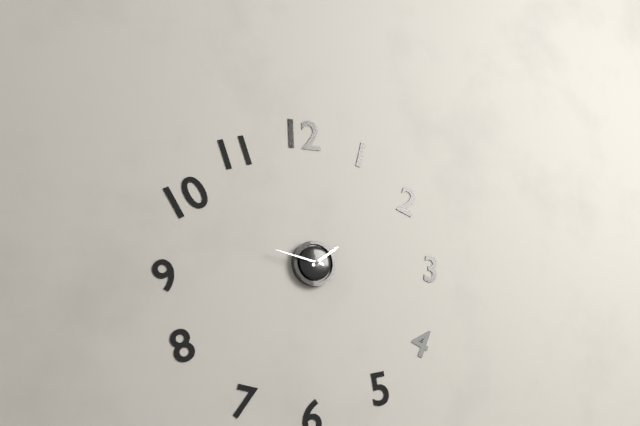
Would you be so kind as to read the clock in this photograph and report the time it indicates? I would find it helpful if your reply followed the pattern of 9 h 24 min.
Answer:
1 h 47 min
